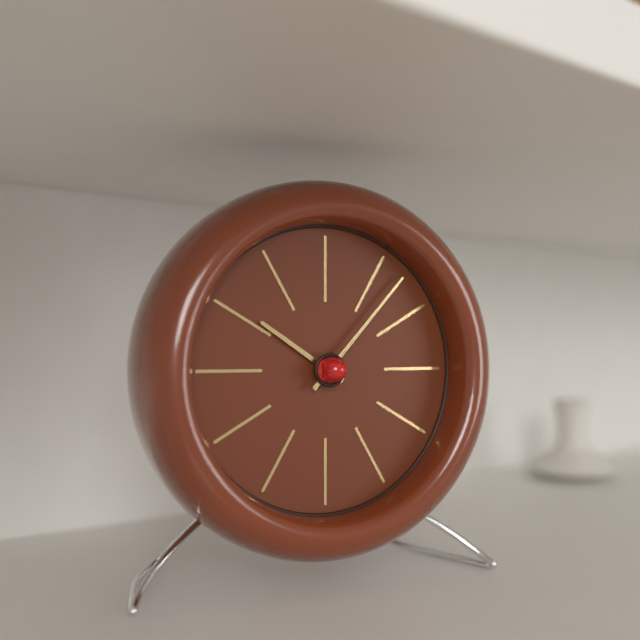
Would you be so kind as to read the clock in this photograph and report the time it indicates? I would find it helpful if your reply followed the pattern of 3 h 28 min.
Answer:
10 h 07 min
